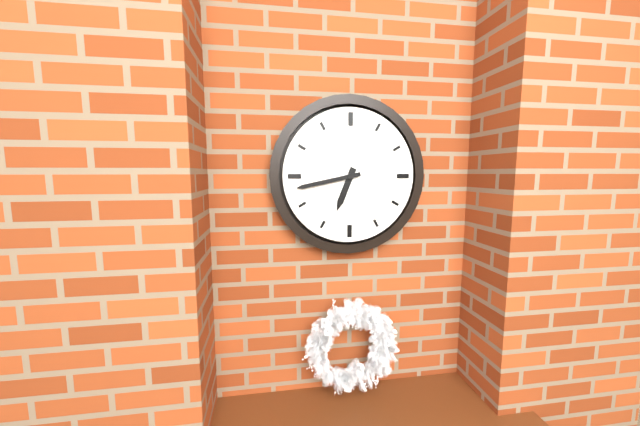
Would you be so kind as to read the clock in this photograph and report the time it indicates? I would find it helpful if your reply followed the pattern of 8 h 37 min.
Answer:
6 h 43 min
